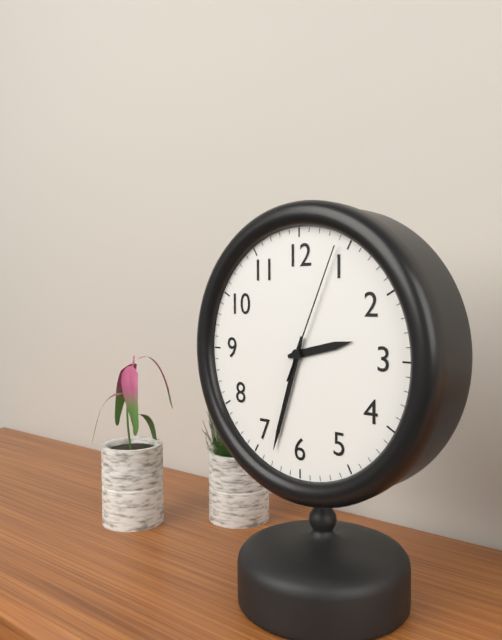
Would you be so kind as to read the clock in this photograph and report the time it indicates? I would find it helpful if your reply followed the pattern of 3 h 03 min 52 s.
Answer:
2 h 33 min 04 s
